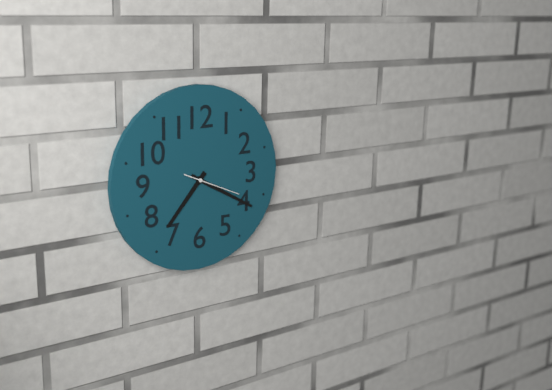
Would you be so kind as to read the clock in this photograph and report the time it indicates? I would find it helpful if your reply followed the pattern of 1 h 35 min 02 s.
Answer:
7 h 20 min 19 s
